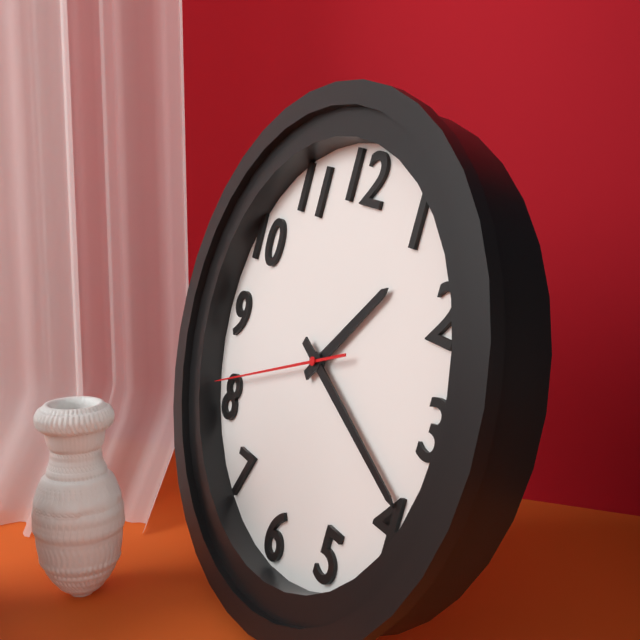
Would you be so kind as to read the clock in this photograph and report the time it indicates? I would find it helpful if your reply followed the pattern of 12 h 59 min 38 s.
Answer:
1 h 19 min 41 s
